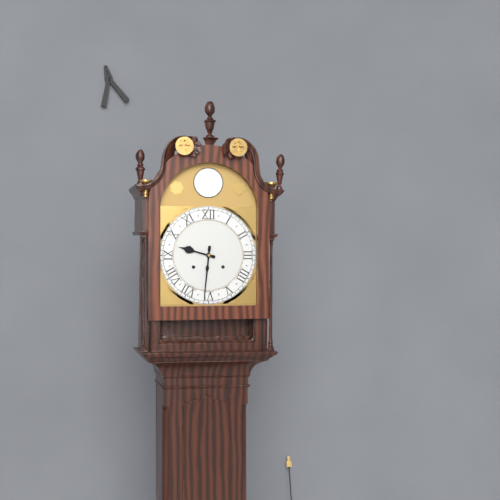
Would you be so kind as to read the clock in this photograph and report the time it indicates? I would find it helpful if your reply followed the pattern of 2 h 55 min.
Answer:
9 h 31 min
